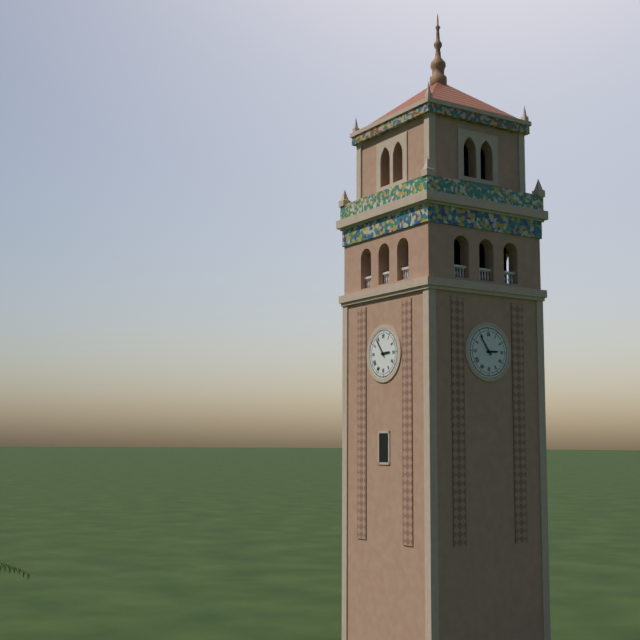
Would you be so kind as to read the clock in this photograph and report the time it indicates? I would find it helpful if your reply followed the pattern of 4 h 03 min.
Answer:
2 h 54 min
